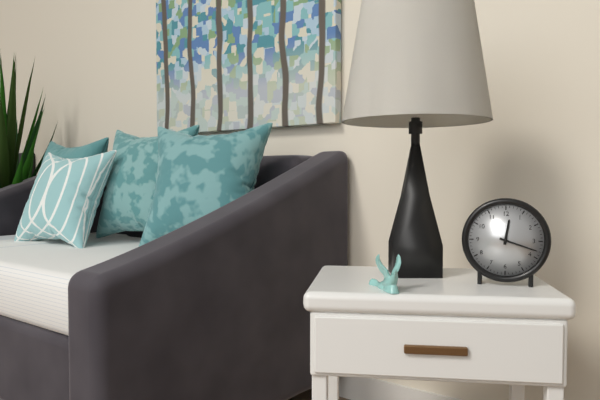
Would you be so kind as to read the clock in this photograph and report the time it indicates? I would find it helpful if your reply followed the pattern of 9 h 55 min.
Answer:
12 h 18 min
